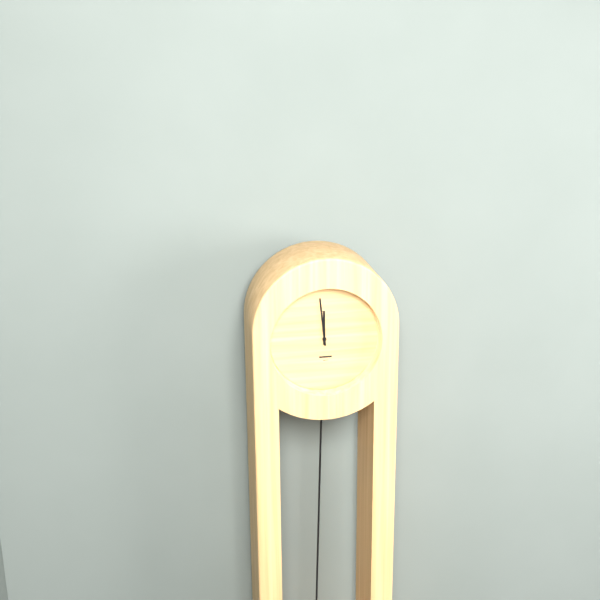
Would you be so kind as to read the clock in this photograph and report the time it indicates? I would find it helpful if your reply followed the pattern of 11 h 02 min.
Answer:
11 h 59 min
